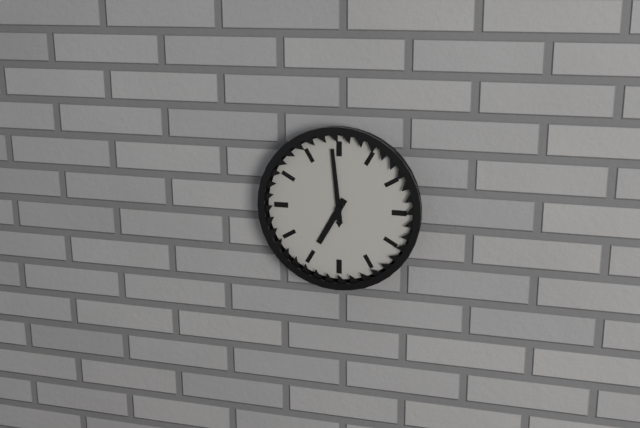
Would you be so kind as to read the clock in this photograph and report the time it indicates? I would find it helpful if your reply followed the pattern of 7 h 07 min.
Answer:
6 h 59 min
